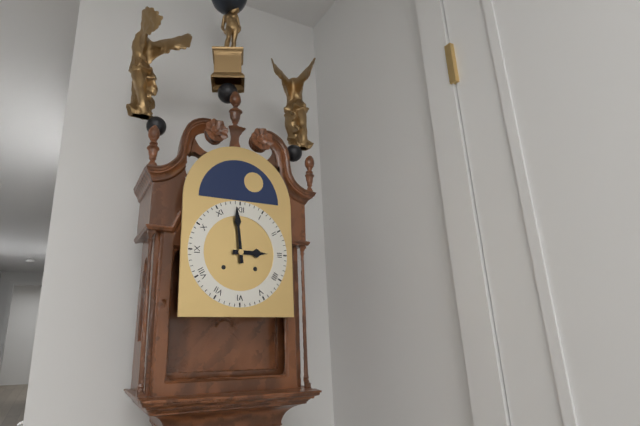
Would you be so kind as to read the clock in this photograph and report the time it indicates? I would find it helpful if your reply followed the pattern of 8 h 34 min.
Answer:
2 h 59 min
